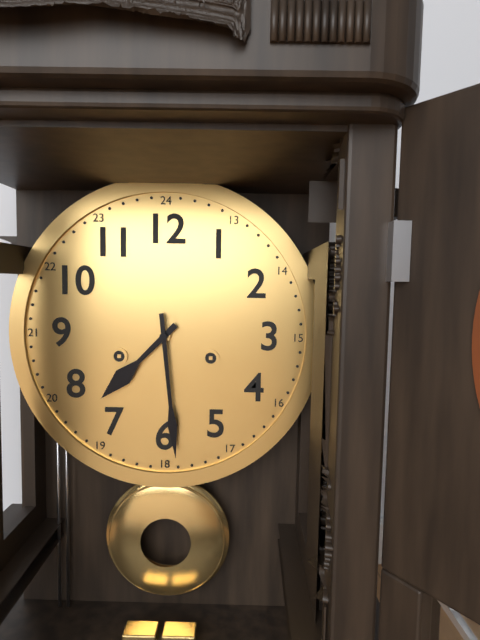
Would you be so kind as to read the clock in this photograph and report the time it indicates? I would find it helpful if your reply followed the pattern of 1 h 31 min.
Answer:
7 h 29 min
